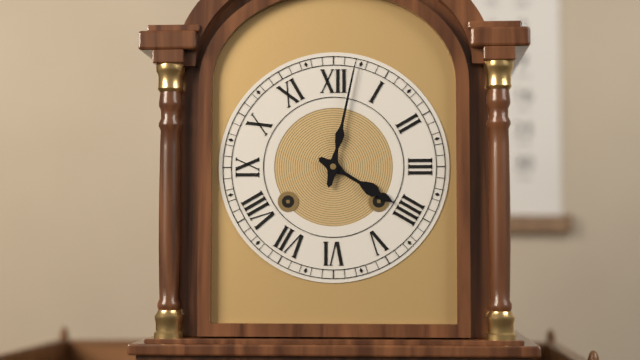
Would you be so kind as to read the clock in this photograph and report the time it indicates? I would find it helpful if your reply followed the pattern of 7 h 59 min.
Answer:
4 h 02 min
